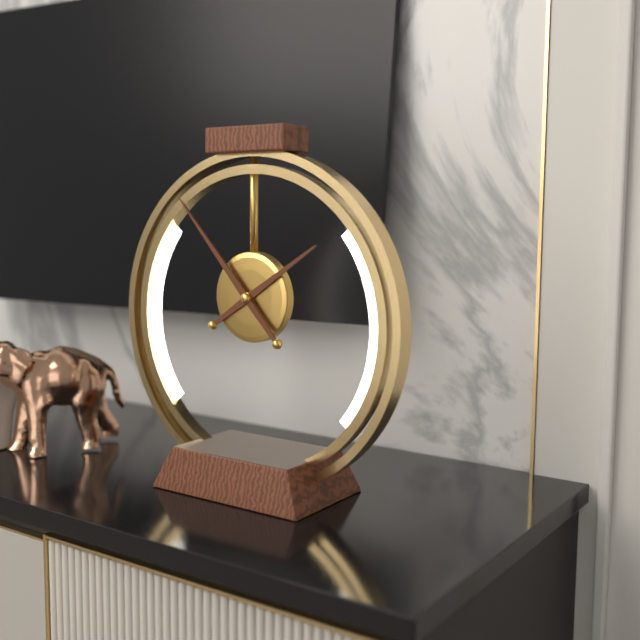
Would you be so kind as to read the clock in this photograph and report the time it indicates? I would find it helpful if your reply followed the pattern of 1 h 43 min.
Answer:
1 h 53 min
